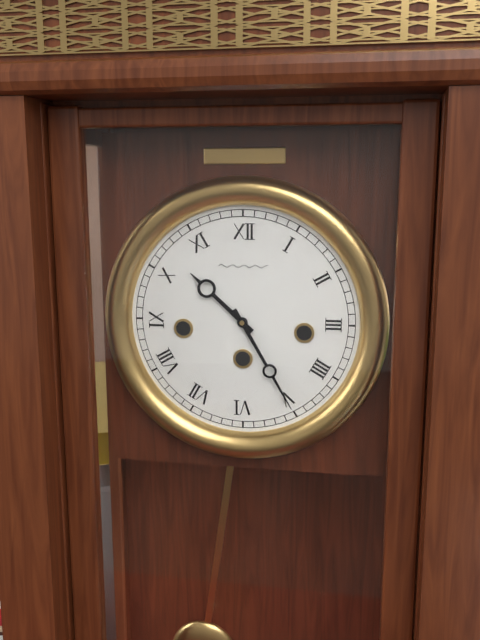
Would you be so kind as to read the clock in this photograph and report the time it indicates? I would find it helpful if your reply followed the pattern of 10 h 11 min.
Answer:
10 h 25 min
